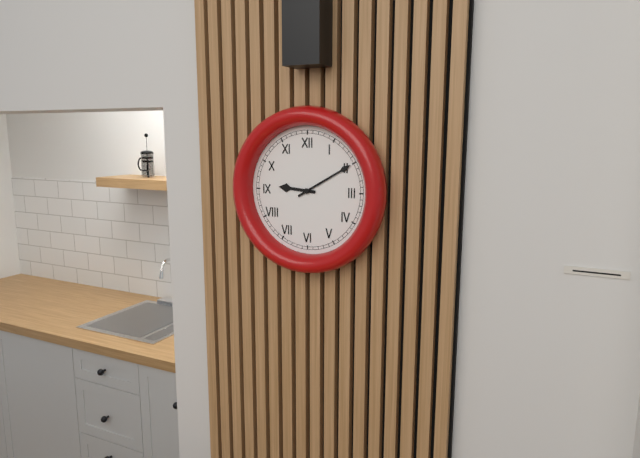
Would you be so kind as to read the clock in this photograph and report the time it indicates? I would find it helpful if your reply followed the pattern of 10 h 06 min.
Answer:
9 h 10 min
